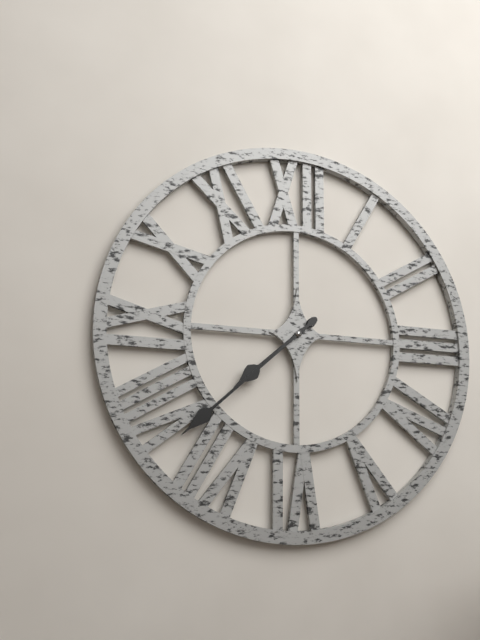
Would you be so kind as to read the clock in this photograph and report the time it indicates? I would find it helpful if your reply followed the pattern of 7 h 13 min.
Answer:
7 h 38 min
